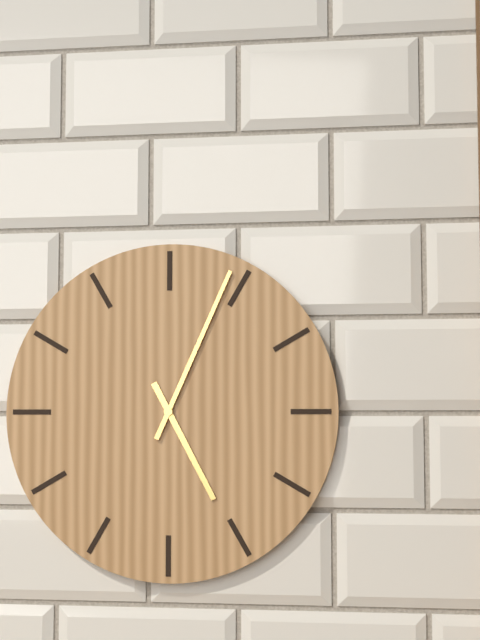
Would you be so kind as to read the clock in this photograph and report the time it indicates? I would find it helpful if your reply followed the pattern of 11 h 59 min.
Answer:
5 h 04 min
